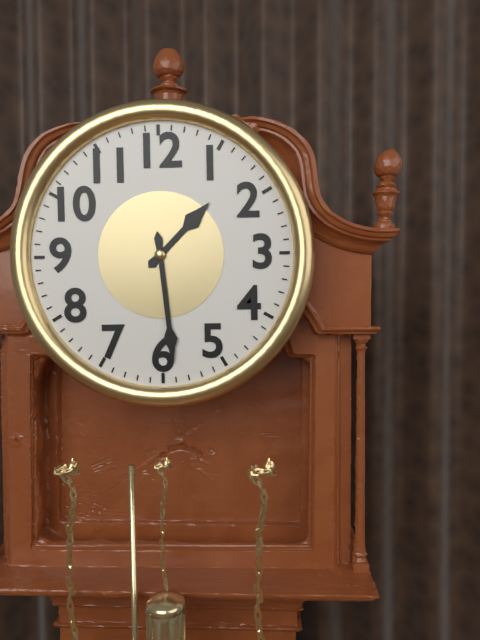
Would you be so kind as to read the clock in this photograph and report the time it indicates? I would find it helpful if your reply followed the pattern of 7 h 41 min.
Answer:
1 h 29 min
